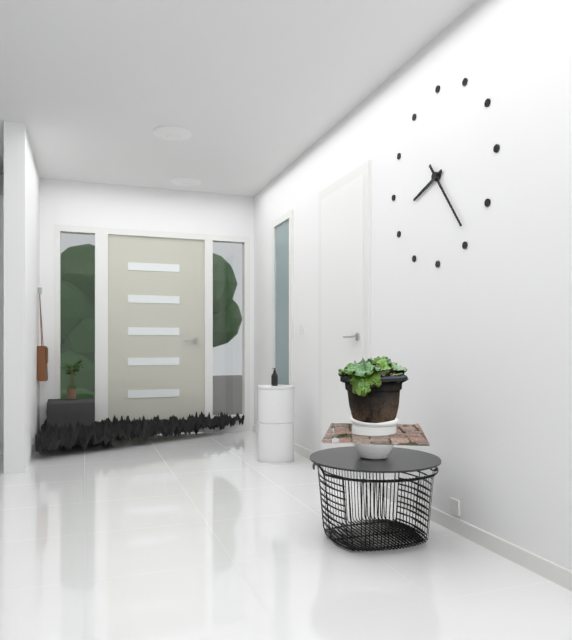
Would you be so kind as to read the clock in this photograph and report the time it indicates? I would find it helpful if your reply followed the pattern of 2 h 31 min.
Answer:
8 h 24 min
